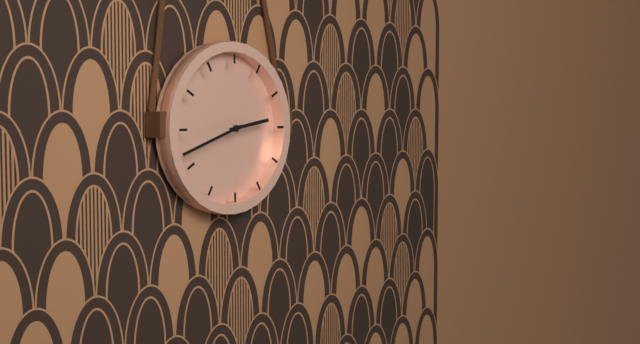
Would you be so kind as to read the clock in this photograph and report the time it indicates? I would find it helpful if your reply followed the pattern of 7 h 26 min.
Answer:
2 h 42 min
